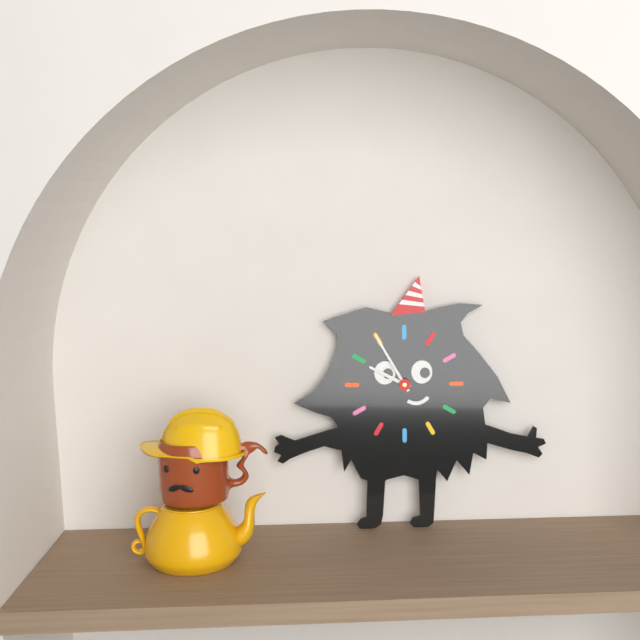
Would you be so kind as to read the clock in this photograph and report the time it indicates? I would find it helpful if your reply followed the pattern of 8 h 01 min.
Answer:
9 h 55 min
